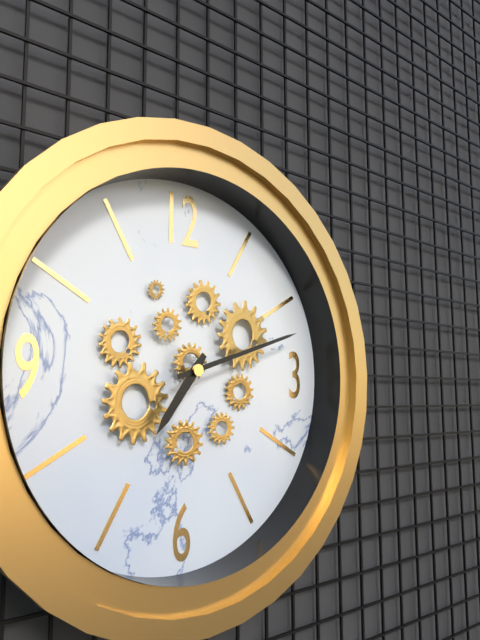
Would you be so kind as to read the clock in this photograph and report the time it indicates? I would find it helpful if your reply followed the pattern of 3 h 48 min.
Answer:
7 h 12 min
